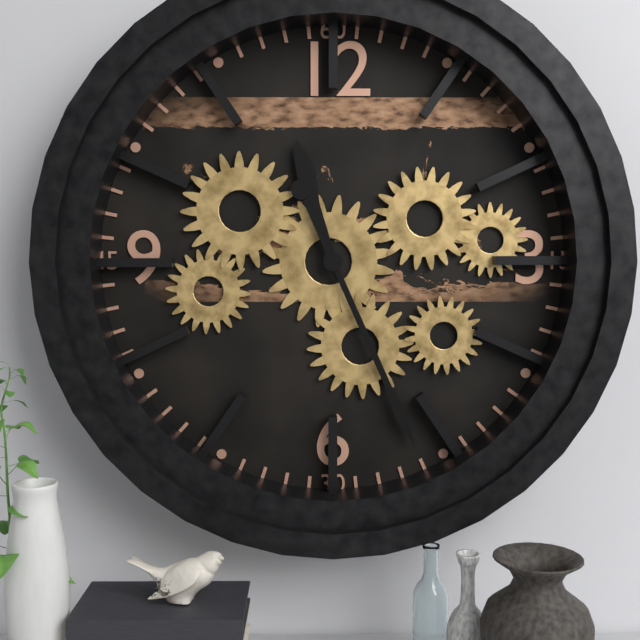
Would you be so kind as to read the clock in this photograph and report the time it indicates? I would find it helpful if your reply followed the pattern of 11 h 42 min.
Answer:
11 h 26 min
